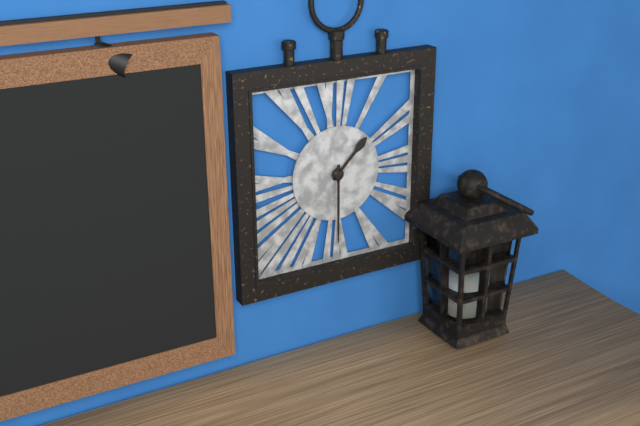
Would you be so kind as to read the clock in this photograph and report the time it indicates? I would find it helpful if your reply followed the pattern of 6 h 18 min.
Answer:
1 h 30 min
